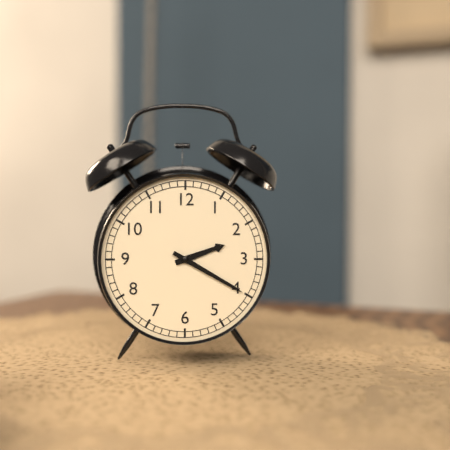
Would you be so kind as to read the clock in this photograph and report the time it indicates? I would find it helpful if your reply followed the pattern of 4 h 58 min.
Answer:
2 h 20 min
